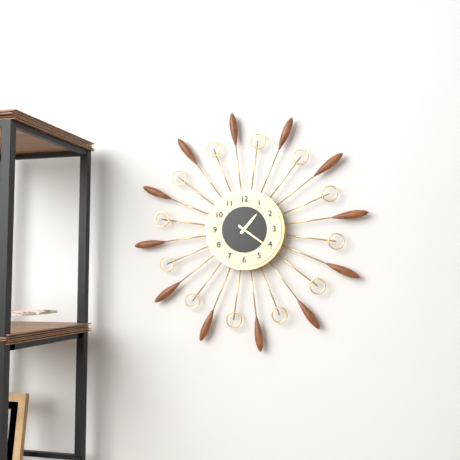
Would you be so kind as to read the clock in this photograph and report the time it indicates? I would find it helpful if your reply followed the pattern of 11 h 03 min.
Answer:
1 h 21 min
